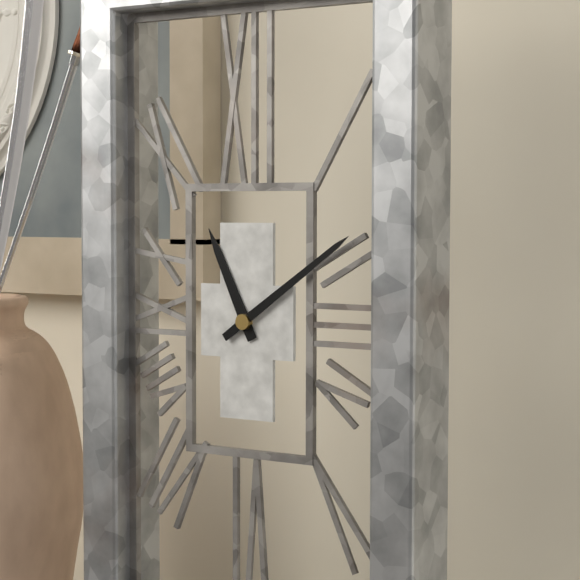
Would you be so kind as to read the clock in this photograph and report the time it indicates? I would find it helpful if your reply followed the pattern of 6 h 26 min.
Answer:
11 h 09 min
